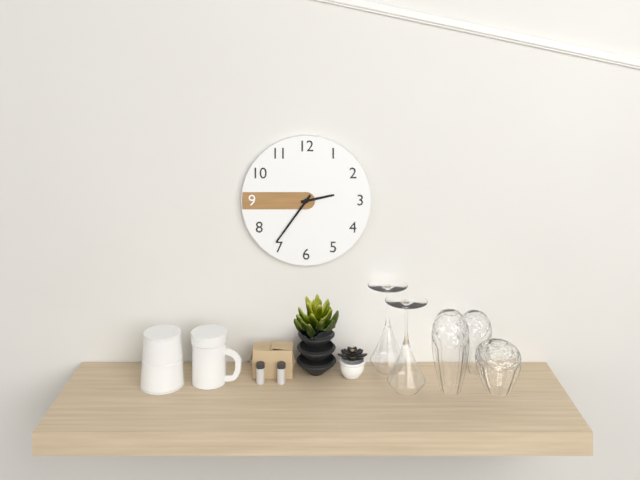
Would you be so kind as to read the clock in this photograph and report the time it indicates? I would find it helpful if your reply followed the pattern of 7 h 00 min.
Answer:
2 h 36 min
